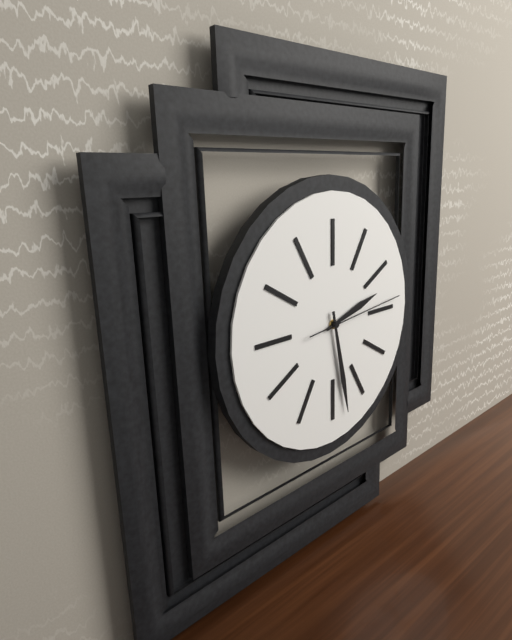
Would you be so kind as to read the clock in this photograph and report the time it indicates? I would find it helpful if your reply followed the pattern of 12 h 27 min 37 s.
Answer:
2 h 28 min 14 s
